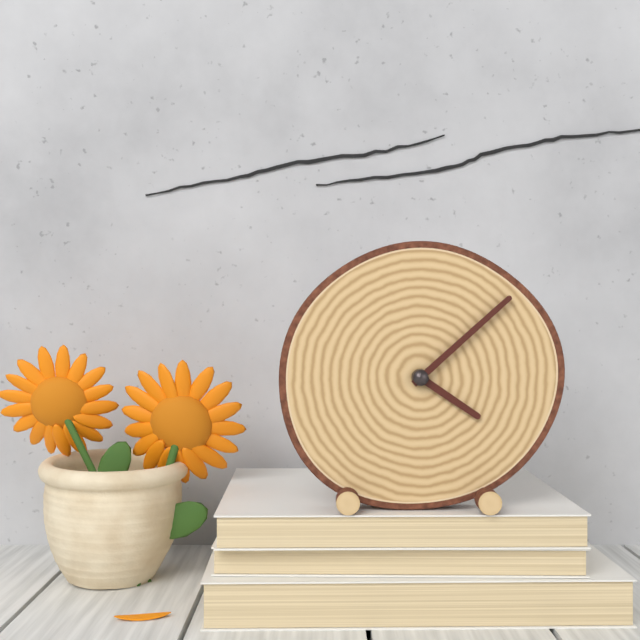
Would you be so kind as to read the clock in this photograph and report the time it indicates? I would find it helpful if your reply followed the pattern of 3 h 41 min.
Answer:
4 h 08 min
